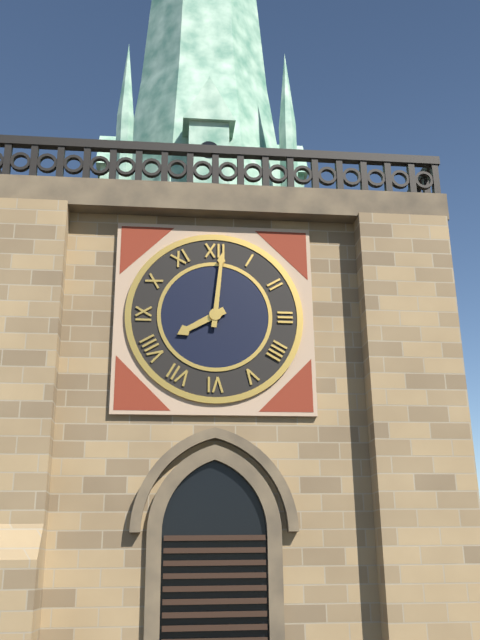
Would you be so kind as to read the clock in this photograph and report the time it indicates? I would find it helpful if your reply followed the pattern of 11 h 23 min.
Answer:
8 h 01 min
